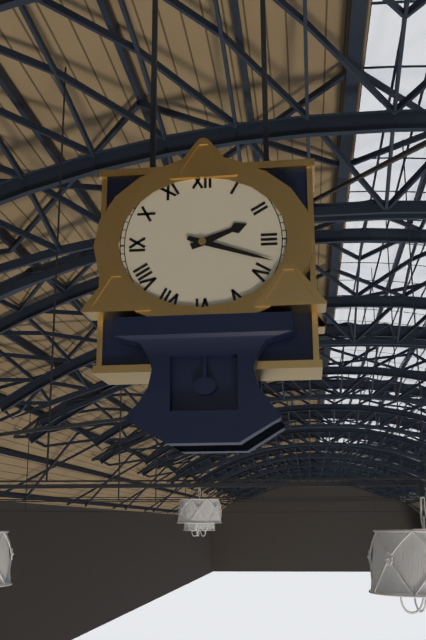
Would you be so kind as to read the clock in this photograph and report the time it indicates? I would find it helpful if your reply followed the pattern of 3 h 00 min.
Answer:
2 h 18 min
